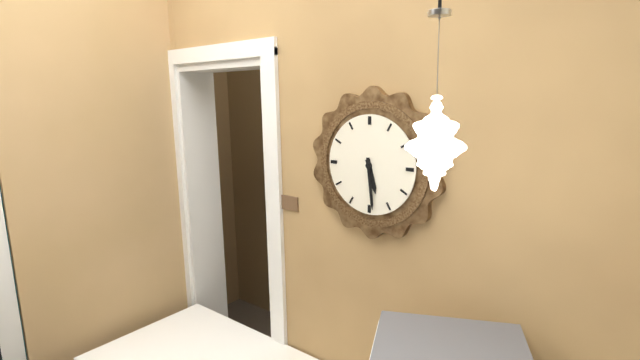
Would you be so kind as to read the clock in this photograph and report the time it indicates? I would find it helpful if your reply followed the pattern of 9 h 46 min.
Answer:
5 h 29 min
